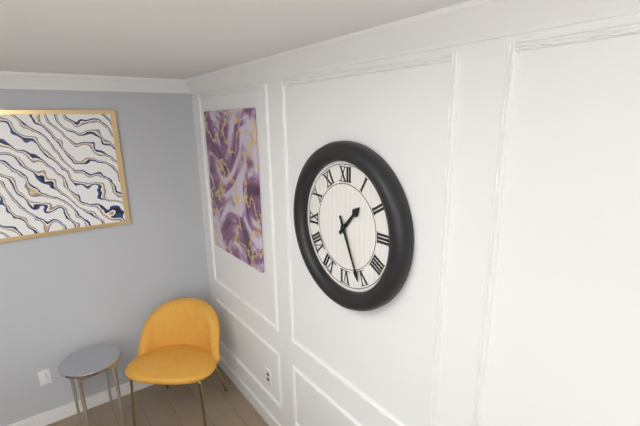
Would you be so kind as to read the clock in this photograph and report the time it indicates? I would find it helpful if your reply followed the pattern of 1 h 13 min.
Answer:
1 h 26 min
